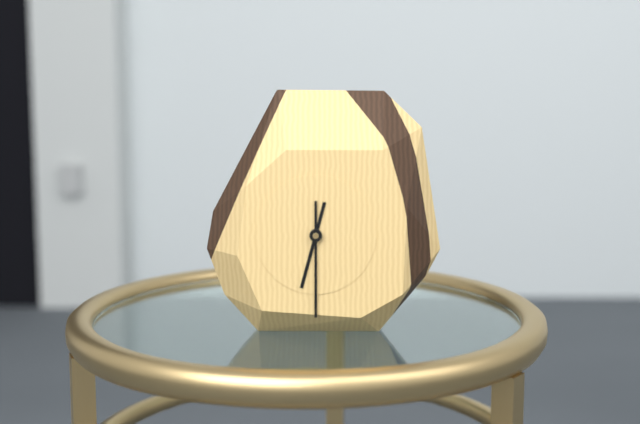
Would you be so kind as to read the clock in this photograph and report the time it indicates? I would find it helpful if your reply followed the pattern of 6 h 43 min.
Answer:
6 h 30 min
